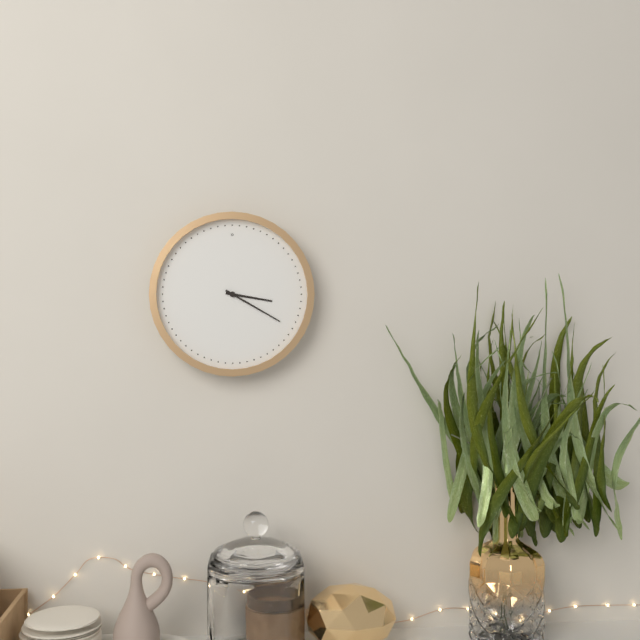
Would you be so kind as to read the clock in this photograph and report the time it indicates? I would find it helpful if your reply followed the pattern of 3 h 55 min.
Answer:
3 h 20 min
